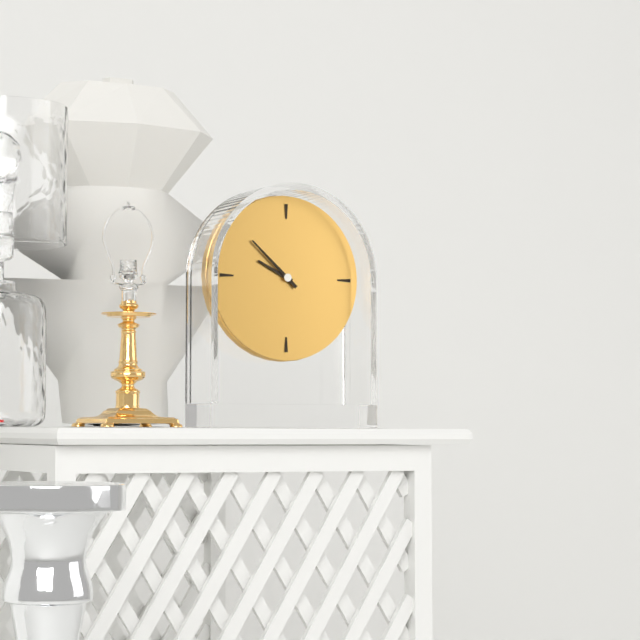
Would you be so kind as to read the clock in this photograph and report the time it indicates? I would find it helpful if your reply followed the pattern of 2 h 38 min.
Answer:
9 h 52 min
